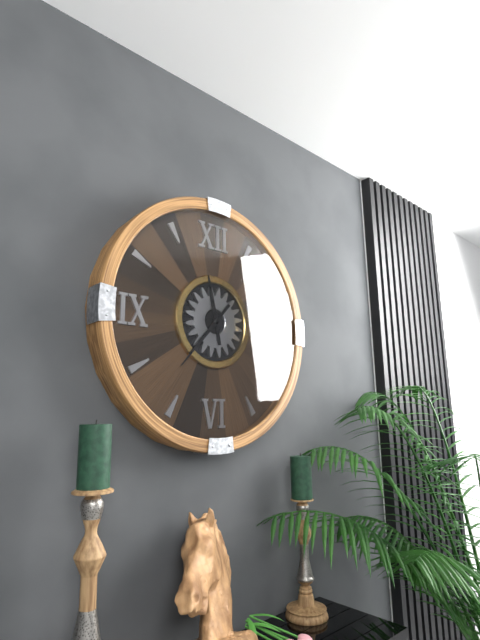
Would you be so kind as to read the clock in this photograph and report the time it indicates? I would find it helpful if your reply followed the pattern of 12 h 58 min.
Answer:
11 h 37 min
